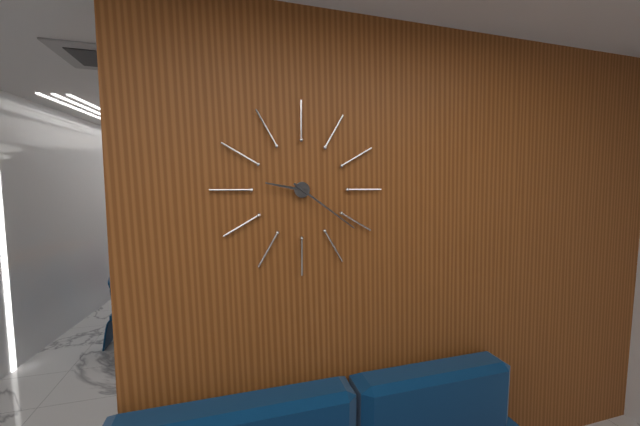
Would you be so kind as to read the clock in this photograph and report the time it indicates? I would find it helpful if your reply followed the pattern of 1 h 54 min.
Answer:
9 h 21 min
